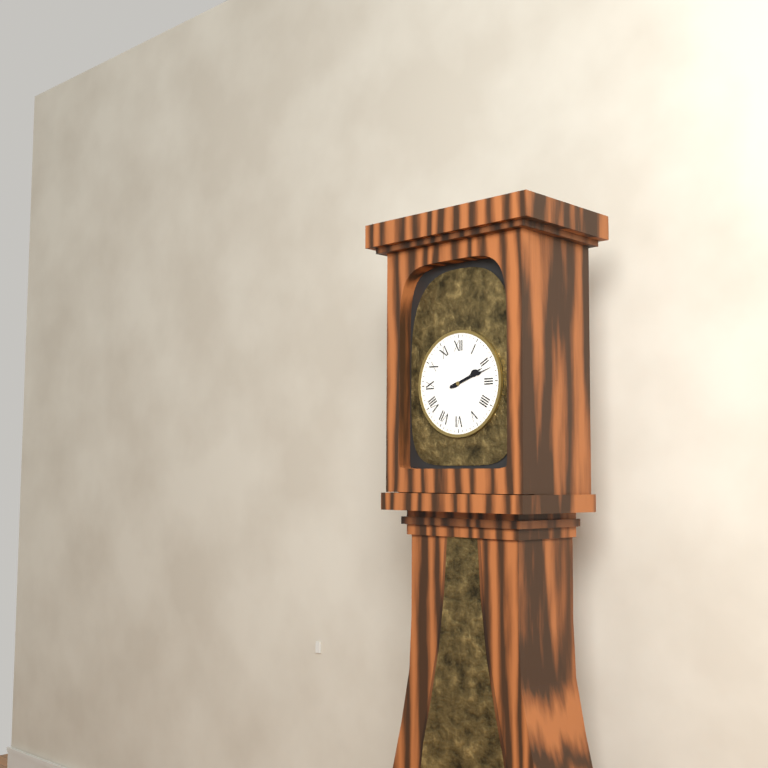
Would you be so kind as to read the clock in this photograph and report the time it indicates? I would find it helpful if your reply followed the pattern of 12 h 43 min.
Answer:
2 h 12 min
